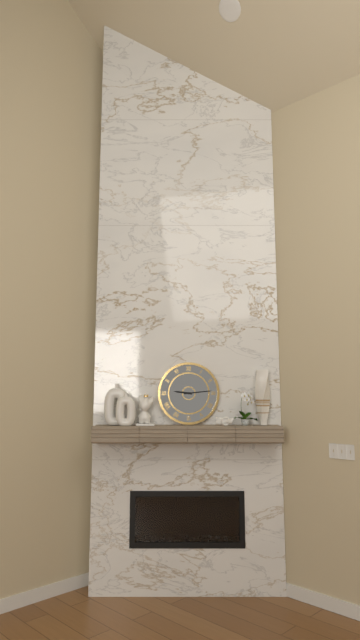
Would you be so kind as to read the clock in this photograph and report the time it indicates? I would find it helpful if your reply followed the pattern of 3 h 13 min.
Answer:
9 h 14 min
